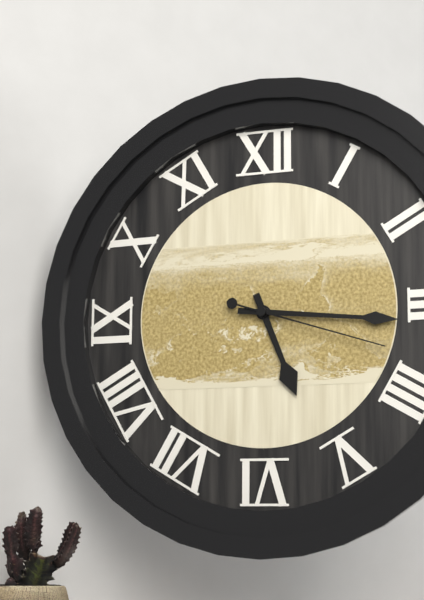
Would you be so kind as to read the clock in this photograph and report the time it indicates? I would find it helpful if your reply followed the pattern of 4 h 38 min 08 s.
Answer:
5 h 16 min 18 s
